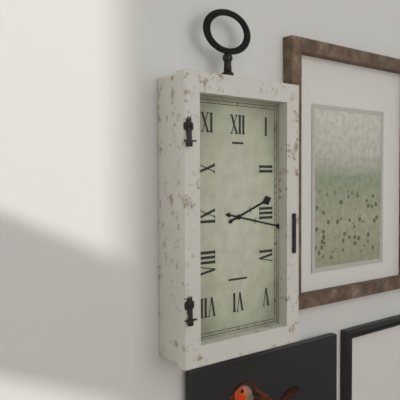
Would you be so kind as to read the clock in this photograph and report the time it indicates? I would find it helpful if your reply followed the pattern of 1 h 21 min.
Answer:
2 h 17 min
